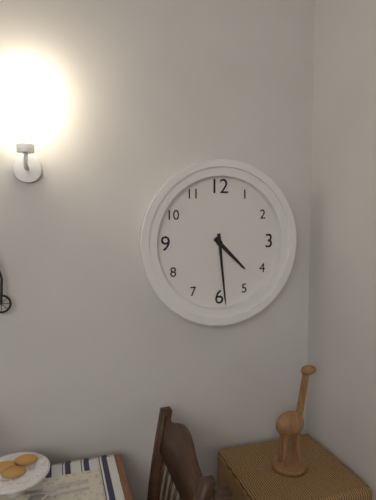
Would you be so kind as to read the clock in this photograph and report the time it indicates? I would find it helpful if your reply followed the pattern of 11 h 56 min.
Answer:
4 h 29 min
